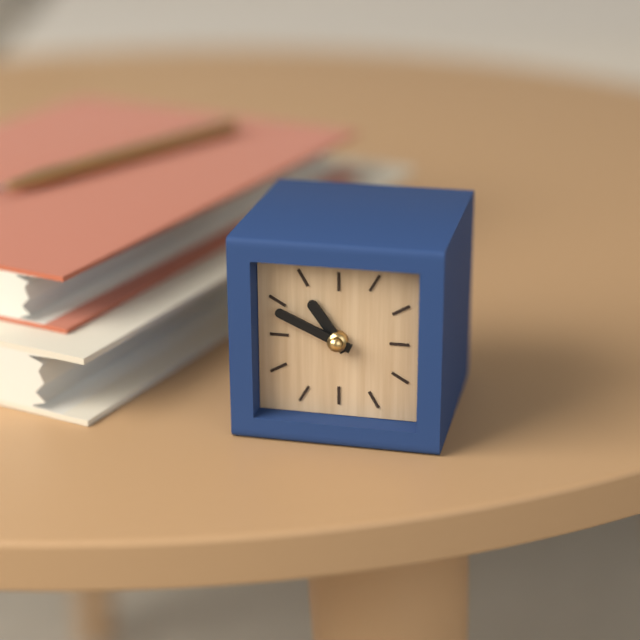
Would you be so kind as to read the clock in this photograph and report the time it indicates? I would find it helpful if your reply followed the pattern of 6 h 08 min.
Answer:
10 h 49 min
